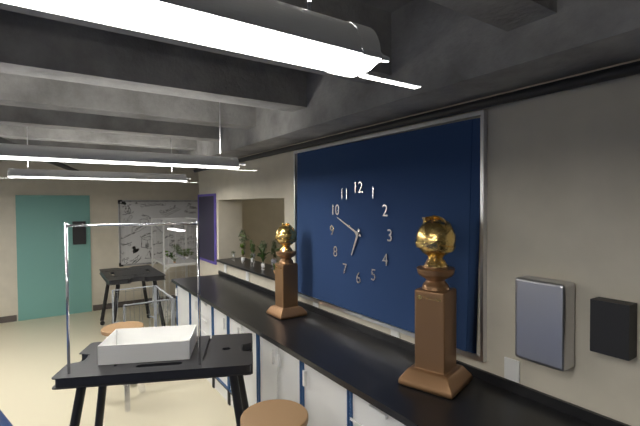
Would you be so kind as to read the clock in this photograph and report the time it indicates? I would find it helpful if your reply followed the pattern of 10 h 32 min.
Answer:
6 h 49 min
